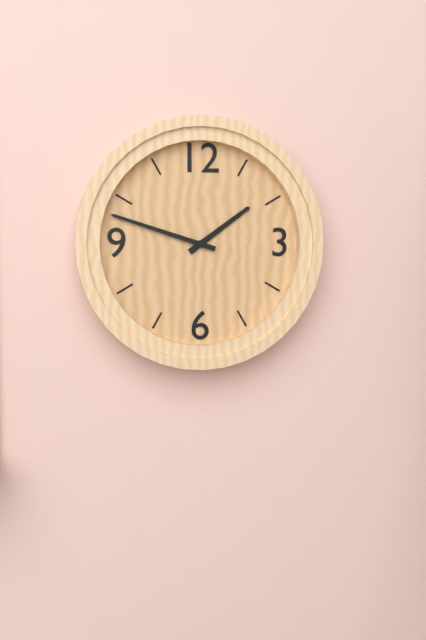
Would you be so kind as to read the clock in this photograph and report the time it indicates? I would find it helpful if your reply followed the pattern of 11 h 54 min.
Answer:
1 h 48 min
